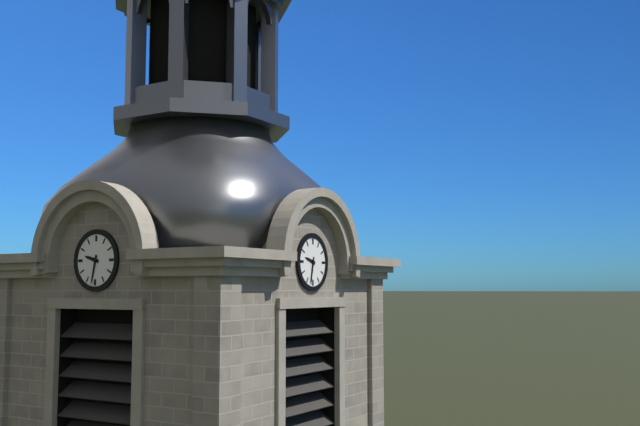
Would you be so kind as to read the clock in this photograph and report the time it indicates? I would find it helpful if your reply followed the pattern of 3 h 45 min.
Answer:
9 h 32 min
